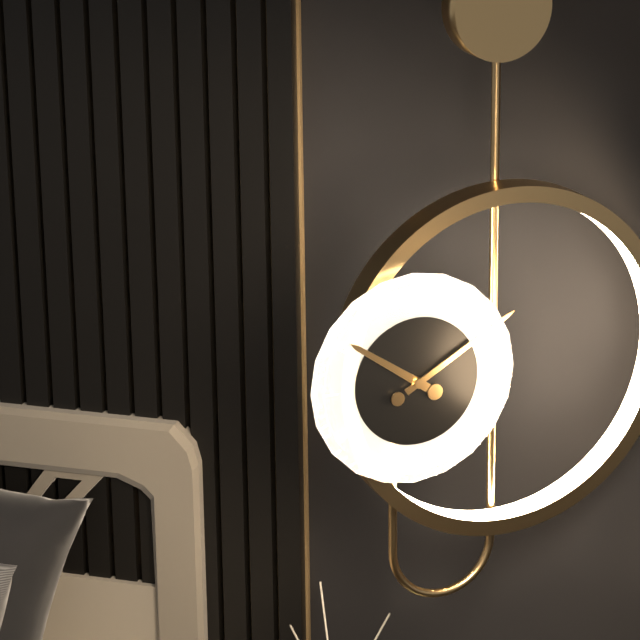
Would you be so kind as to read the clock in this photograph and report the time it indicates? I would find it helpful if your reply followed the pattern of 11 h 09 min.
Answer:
10 h 10 min
